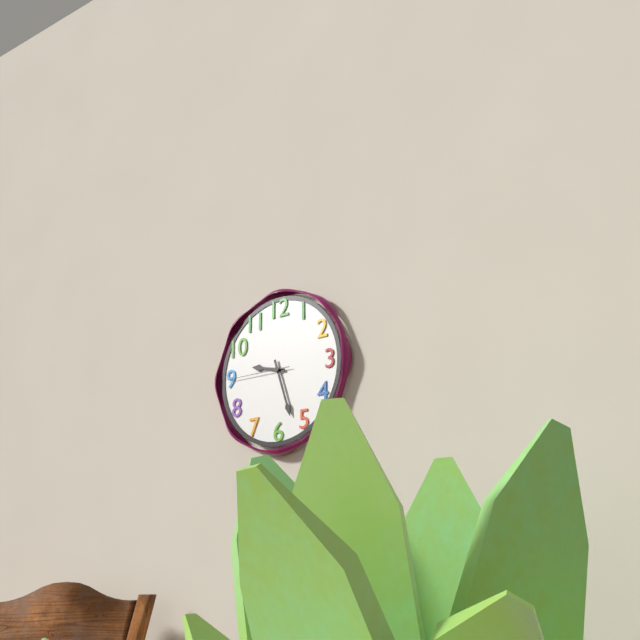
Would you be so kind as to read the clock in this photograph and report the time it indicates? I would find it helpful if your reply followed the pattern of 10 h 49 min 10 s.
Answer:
9 h 27 min 45 s
